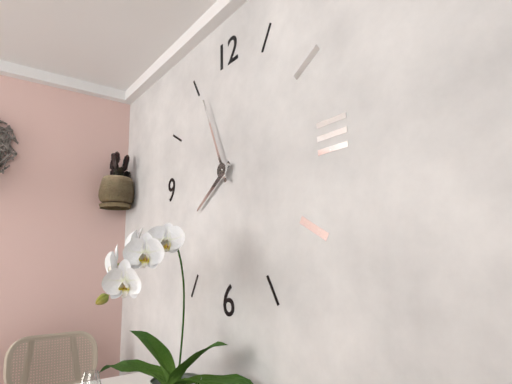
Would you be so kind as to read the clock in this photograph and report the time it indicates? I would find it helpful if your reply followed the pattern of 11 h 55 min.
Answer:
7 h 56 min
